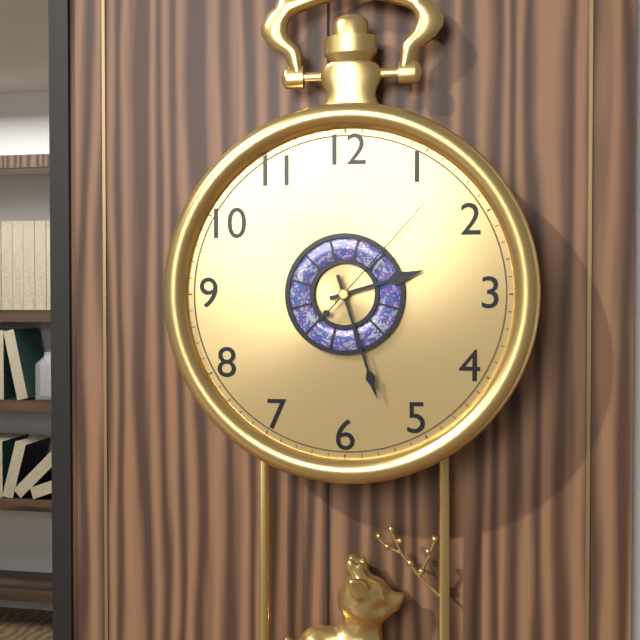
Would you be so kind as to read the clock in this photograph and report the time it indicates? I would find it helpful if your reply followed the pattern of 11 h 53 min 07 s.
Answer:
2 h 27 min 07 s
